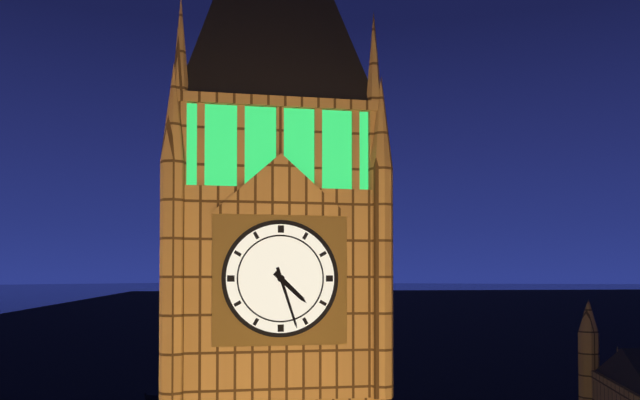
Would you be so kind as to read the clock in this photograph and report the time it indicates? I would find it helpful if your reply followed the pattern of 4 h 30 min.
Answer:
4 h 27 min
